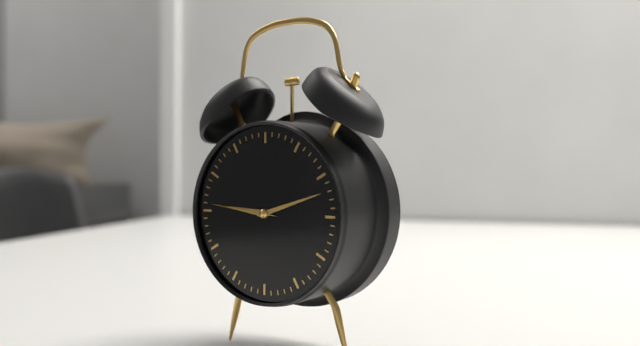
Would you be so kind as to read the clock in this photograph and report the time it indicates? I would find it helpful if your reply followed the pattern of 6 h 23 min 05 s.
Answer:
9 h 12 min 46 s
